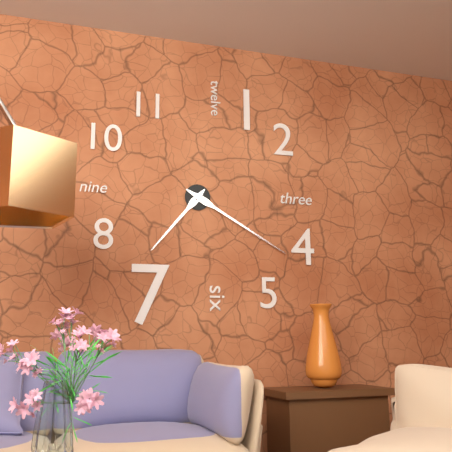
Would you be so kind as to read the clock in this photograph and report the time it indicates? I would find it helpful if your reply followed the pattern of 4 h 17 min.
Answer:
7 h 20 min
